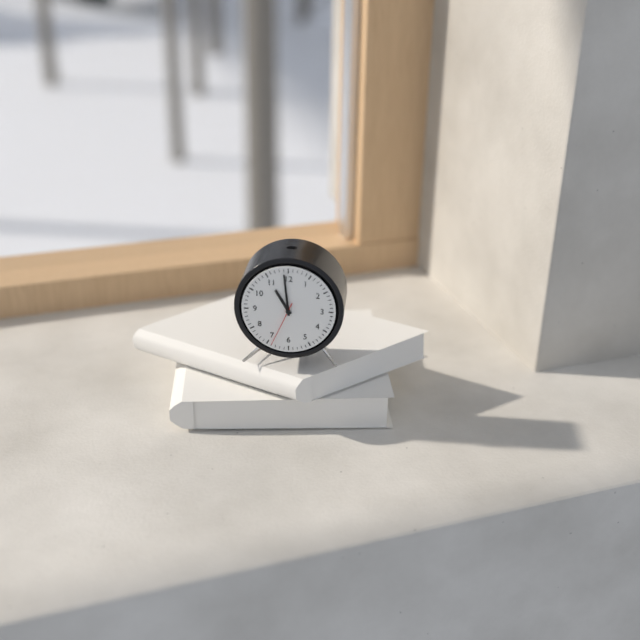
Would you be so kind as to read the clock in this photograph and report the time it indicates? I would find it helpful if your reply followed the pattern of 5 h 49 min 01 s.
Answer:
10 h 59 min 34 s
